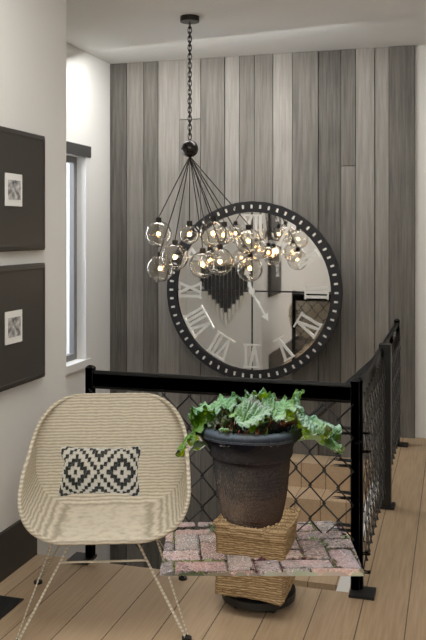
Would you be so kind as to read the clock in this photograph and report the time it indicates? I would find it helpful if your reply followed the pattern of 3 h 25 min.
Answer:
11 h 25 min
